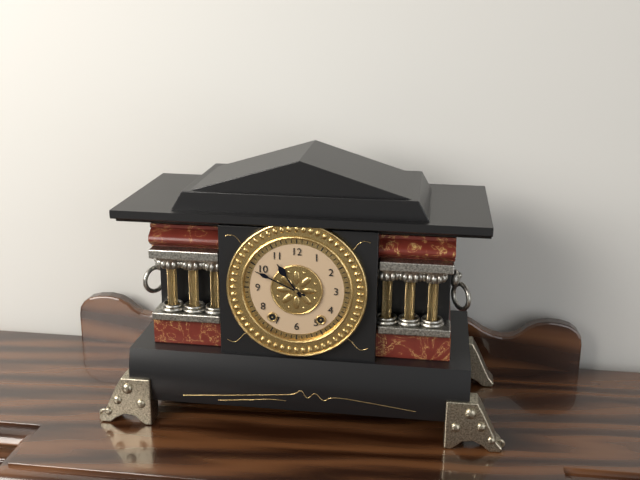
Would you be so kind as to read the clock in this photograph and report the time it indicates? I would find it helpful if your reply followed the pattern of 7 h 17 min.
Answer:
10 h 49 min
